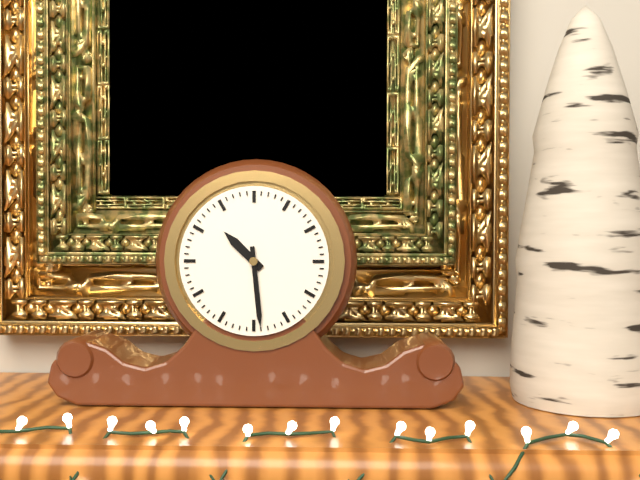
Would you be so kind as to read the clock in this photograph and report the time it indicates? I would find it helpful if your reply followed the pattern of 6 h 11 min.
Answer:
10 h 29 min
